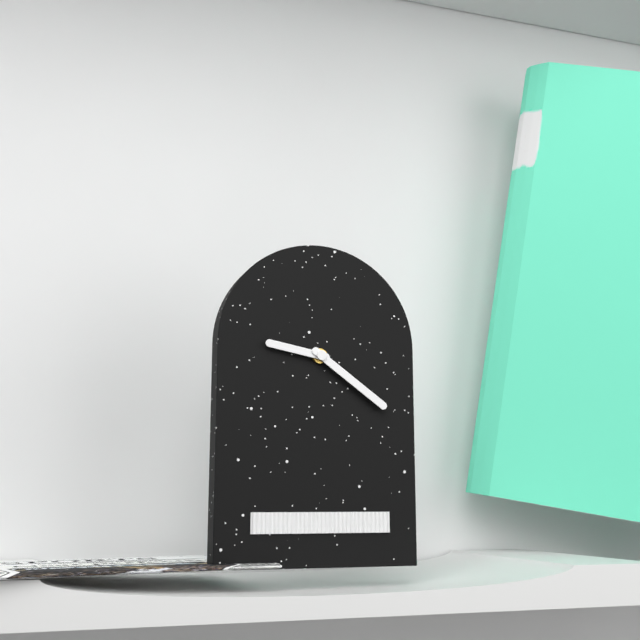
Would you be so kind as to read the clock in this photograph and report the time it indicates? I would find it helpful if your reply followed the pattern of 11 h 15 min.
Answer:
9 h 21 min
